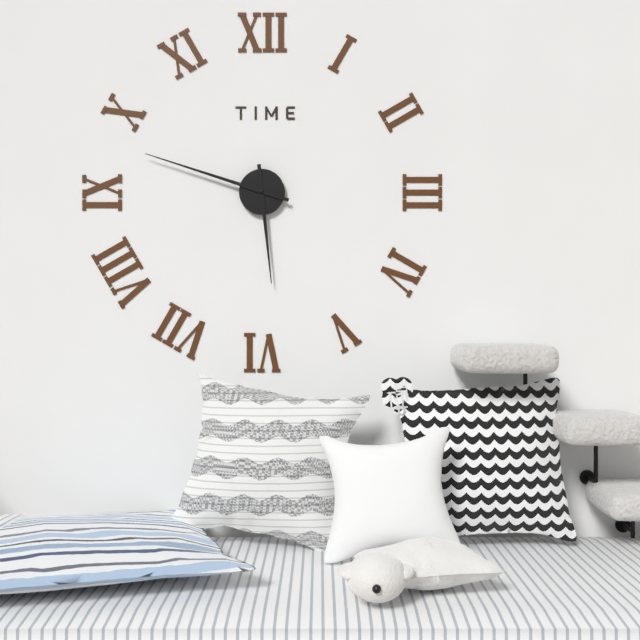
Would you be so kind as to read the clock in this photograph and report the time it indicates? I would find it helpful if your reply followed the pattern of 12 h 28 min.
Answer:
5 h 48 min
